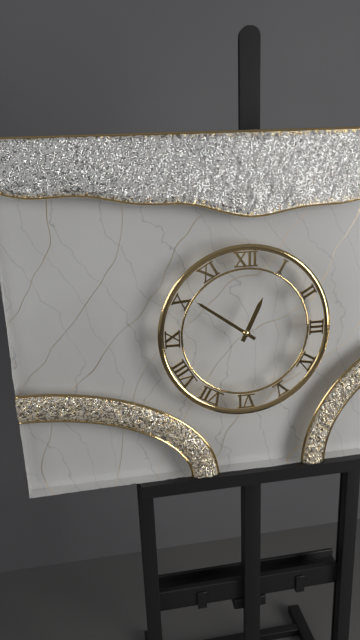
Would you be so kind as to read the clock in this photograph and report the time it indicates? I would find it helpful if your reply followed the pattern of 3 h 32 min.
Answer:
12 h 51 min
